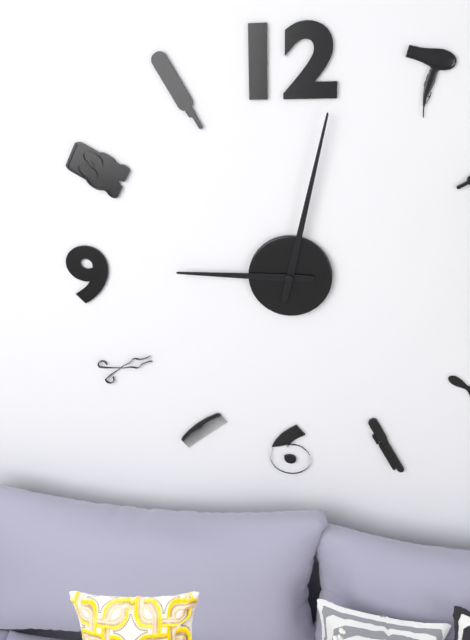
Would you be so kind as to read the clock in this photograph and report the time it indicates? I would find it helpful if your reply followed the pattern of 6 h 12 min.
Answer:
9 h 02 min
